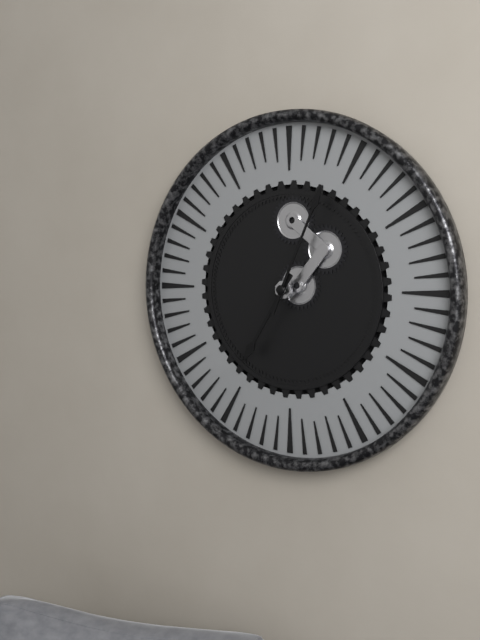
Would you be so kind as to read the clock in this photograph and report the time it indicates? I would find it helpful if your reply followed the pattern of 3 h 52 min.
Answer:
7 h 04 min
